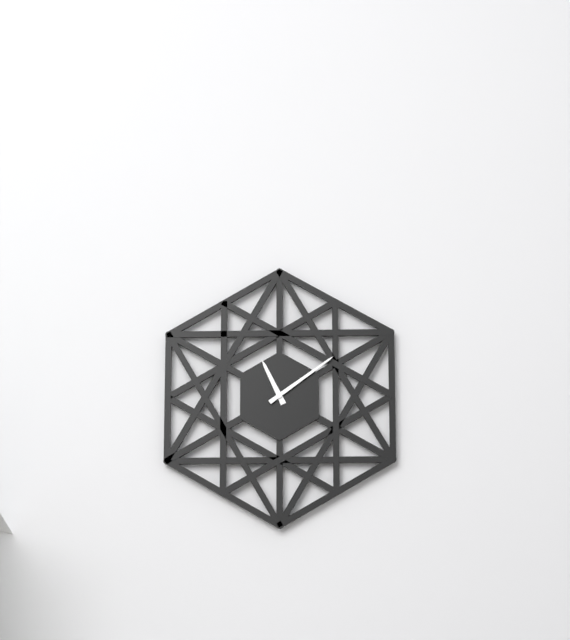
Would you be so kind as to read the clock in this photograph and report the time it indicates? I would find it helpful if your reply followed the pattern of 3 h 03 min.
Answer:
11 h 09 min
